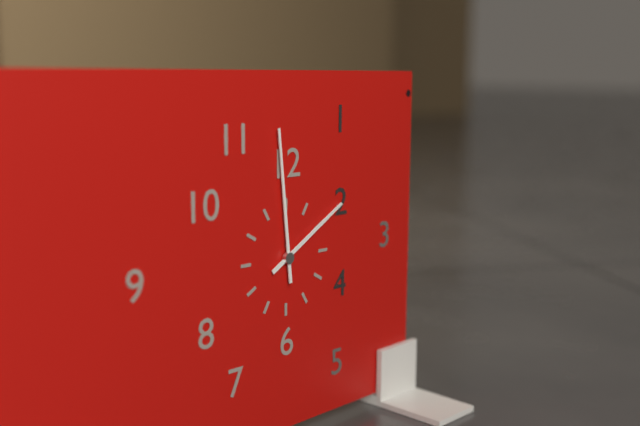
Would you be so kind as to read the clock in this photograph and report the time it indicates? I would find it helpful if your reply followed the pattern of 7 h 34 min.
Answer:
1 h 59 min
